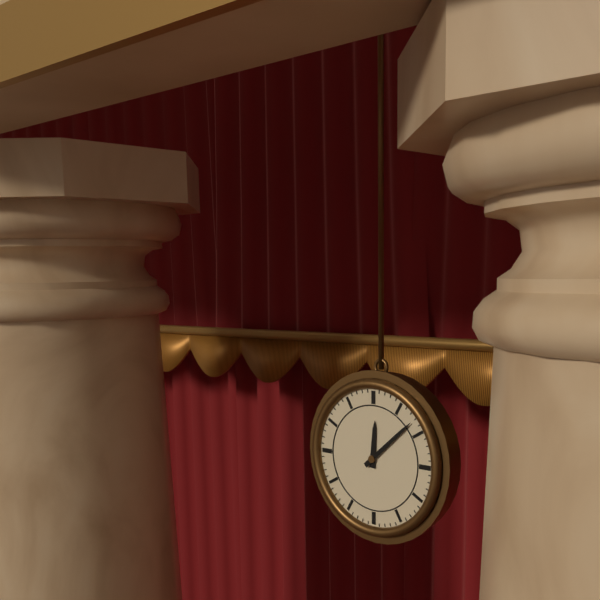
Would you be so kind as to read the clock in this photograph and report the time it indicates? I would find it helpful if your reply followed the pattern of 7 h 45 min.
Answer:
12 h 08 min
